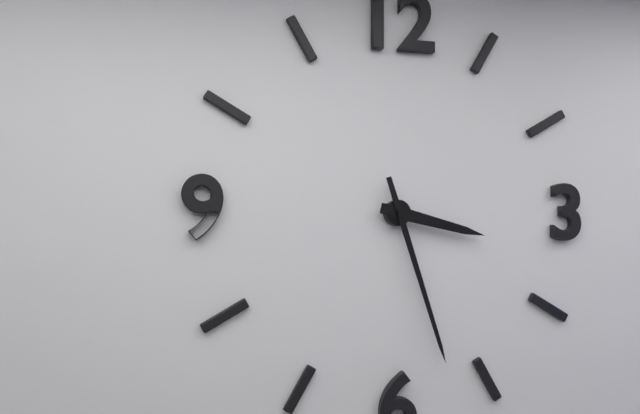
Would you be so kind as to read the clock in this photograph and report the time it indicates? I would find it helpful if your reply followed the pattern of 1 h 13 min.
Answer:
3 h 27 min
